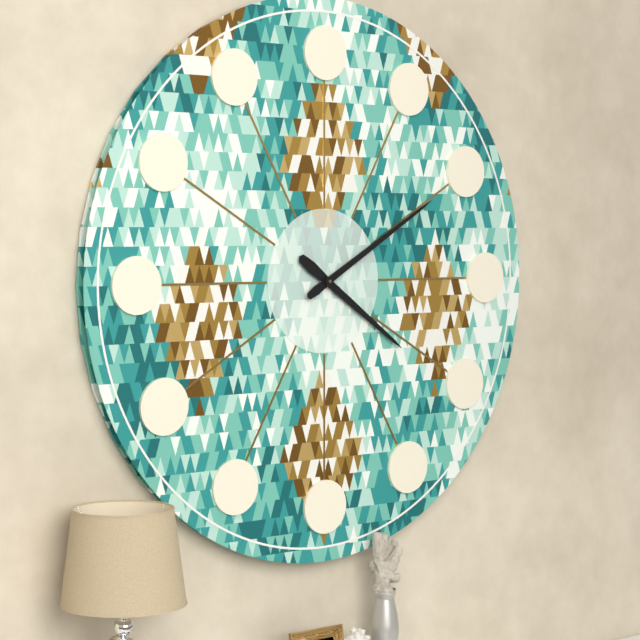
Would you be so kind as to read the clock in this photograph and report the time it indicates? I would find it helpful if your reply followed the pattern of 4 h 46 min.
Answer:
4 h 10 min
